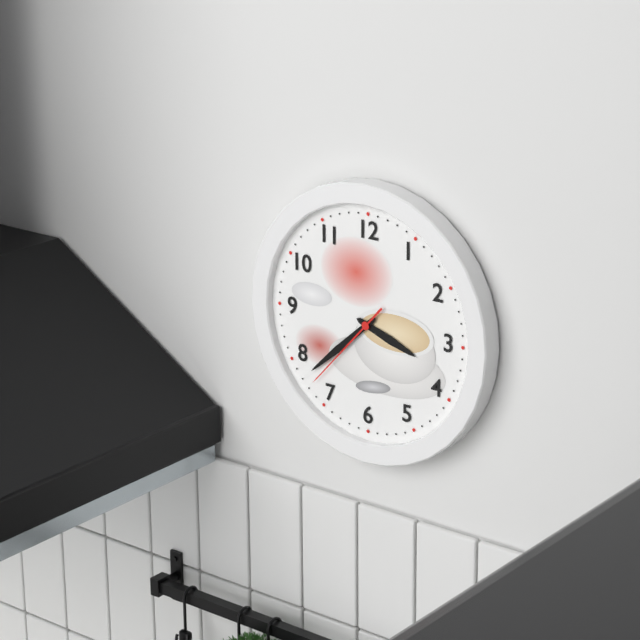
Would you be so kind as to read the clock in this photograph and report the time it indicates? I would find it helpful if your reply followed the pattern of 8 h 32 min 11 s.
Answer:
3 h 38 min 37 s
